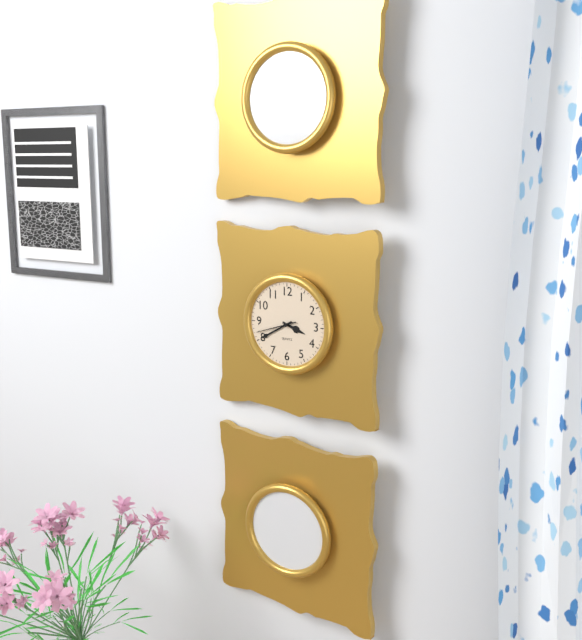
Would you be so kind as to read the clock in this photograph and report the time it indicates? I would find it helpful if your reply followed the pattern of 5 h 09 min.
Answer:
3 h 40 min
